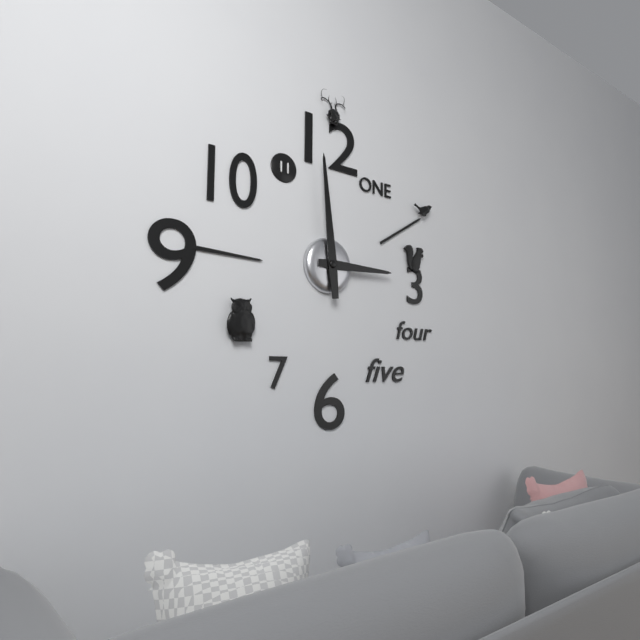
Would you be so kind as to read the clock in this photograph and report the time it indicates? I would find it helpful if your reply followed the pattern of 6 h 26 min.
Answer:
2 h 59 min
